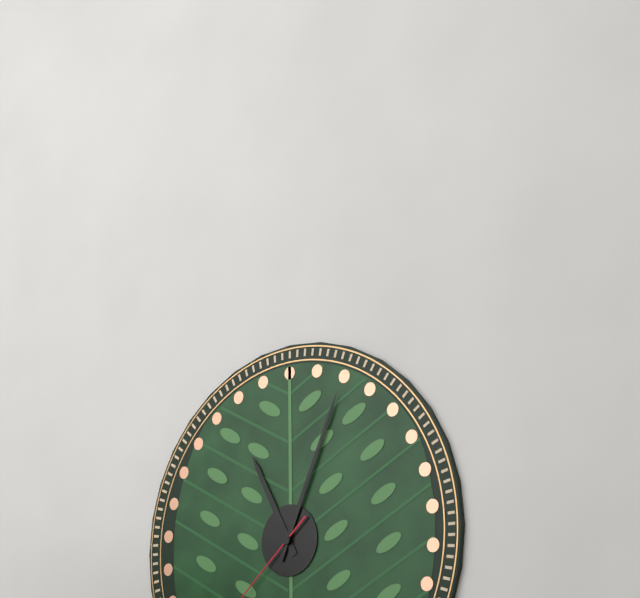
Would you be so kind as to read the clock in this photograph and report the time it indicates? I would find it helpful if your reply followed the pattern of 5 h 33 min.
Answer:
11 h 04 min
